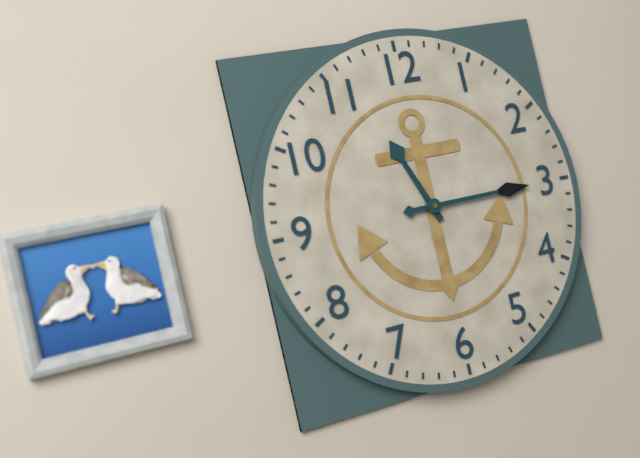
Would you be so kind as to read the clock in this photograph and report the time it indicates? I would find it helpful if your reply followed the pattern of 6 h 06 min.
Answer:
11 h 15 min
